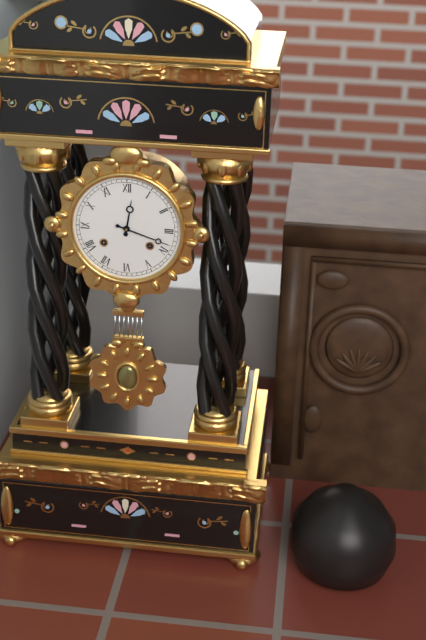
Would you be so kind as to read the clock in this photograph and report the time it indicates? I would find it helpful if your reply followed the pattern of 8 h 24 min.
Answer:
12 h 18 min
